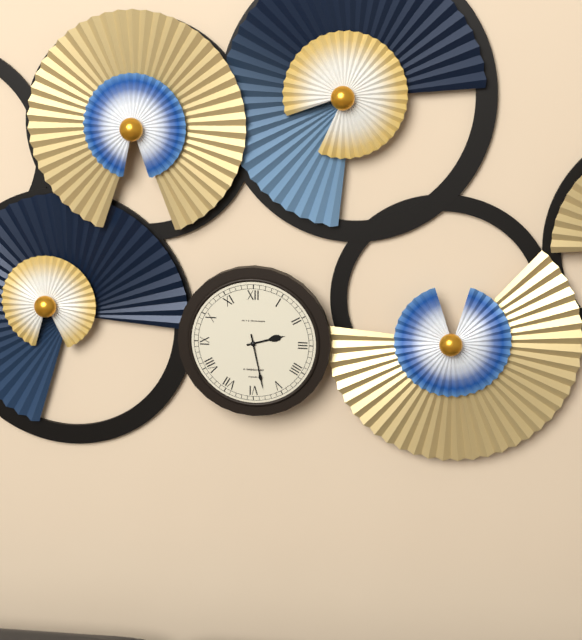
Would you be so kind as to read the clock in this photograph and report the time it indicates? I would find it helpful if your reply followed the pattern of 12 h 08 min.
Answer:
2 h 28 min
